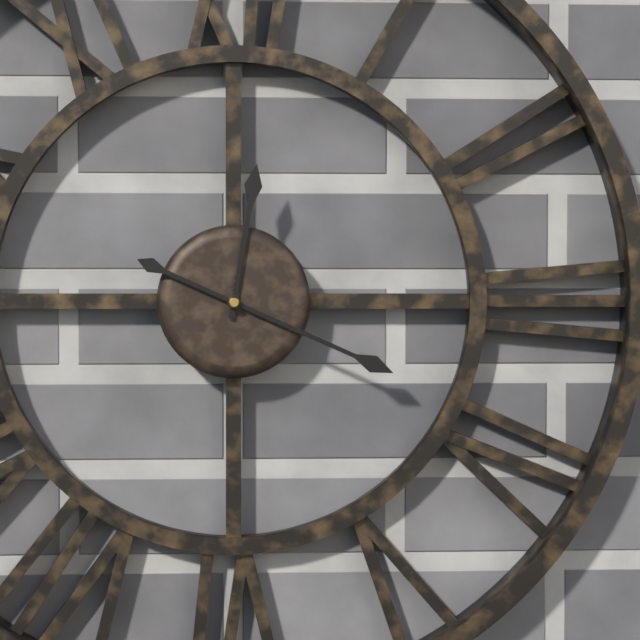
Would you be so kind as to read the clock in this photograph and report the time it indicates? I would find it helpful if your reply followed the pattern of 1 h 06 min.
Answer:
12 h 19 min
